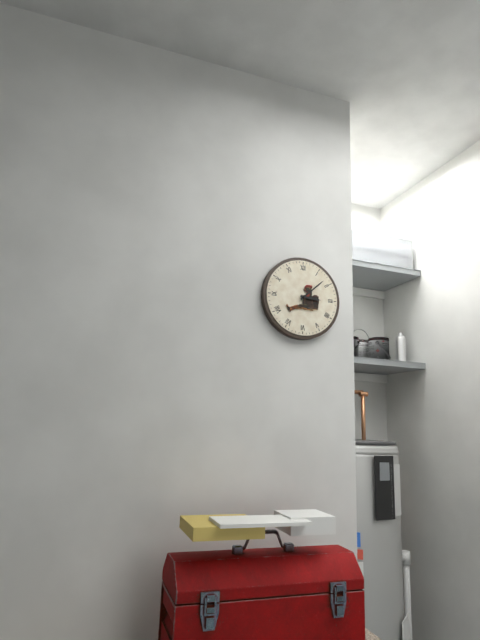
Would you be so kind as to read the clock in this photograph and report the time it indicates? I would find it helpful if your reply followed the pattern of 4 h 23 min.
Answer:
3 h 08 min
